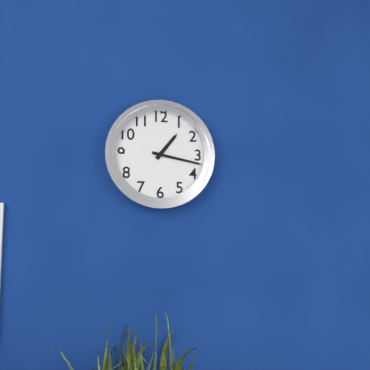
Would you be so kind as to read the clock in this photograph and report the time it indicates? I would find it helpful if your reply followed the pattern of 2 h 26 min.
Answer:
1 h 17 min
